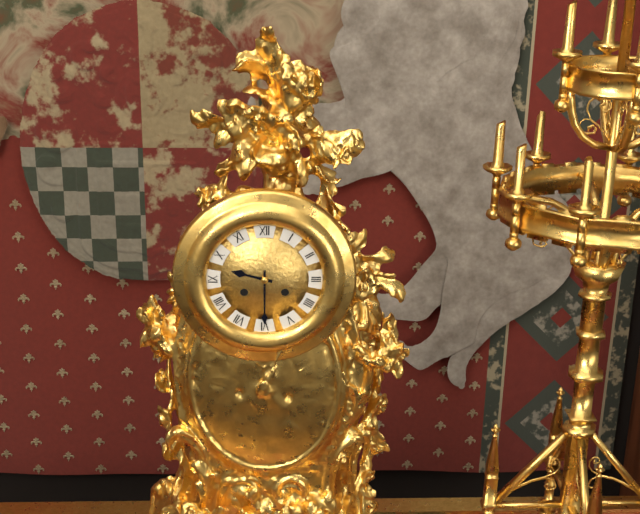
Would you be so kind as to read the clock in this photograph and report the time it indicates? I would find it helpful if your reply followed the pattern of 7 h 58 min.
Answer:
9 h 30 min
